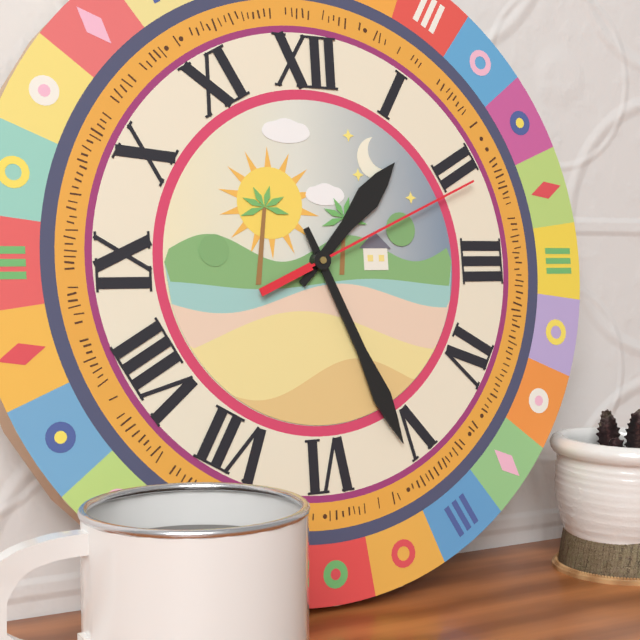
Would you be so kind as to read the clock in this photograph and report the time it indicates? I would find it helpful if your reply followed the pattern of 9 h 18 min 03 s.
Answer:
1 h 26 min 11 s
